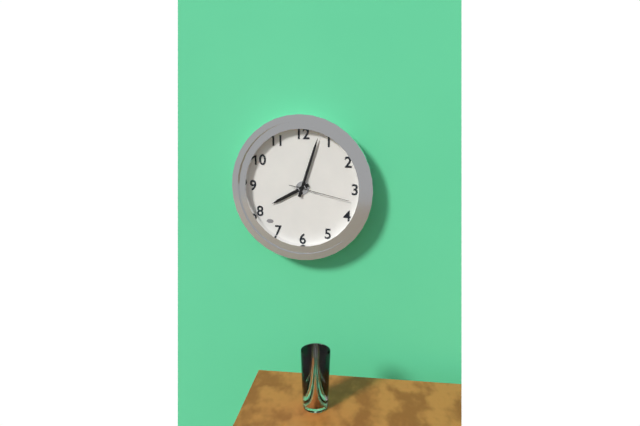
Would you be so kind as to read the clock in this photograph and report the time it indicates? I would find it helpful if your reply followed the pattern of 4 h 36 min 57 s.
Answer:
8 h 03 min 17 s
